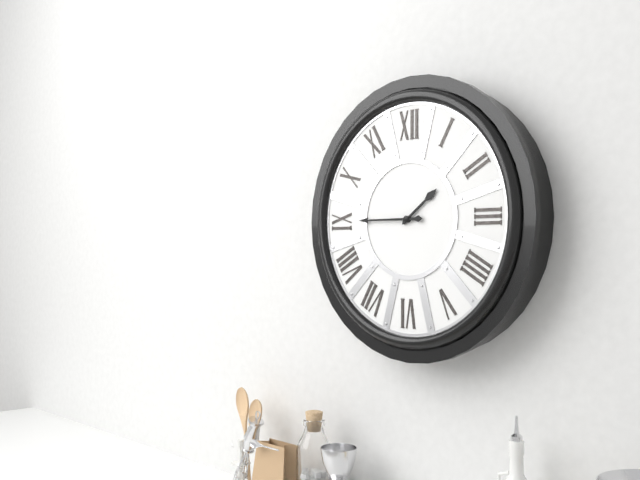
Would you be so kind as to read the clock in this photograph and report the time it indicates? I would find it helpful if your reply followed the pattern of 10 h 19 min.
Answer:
1 h 45 min
